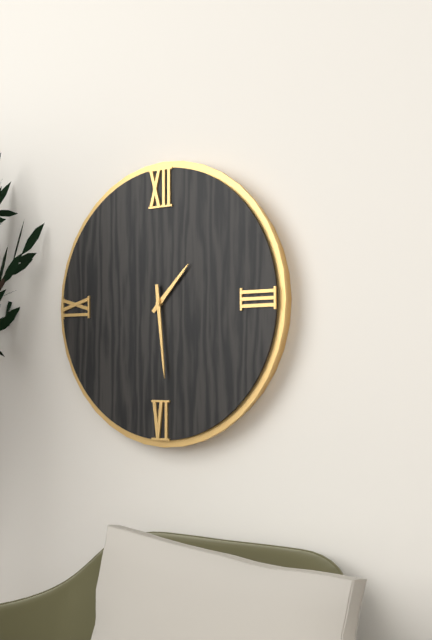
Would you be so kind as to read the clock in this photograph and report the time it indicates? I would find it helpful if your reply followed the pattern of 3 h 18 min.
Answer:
1 h 29 min
